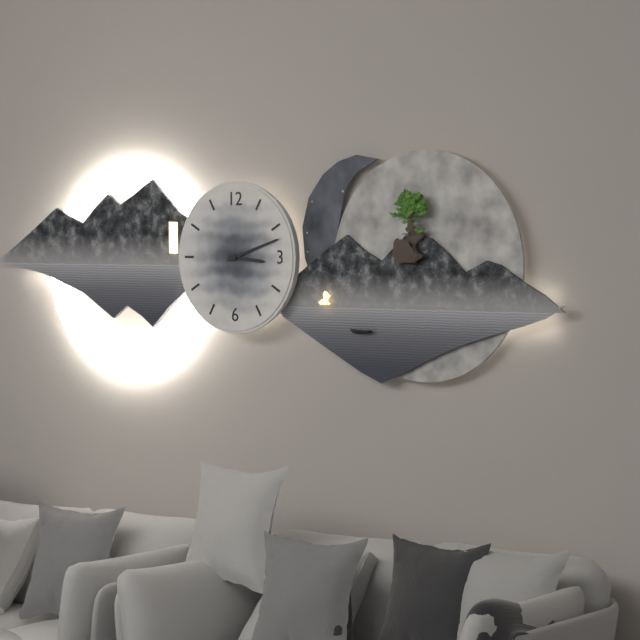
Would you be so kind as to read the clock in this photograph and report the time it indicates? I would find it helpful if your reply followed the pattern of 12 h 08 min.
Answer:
3 h 12 min
